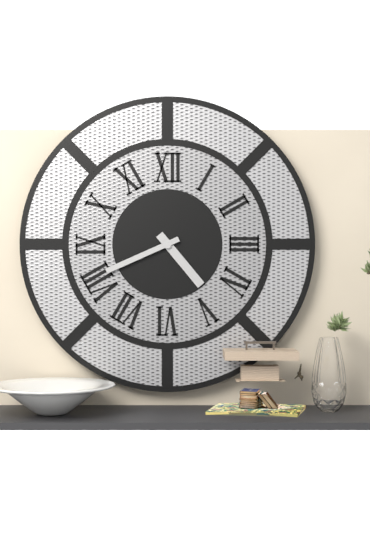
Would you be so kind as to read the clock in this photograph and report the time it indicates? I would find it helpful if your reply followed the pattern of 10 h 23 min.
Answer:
4 h 41 min
